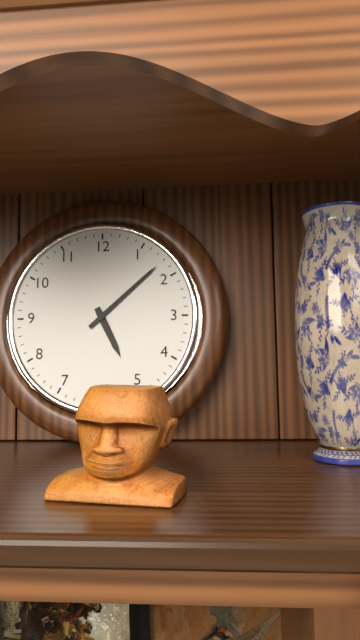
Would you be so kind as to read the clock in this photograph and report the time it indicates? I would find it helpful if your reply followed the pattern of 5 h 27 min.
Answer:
5 h 08 min
